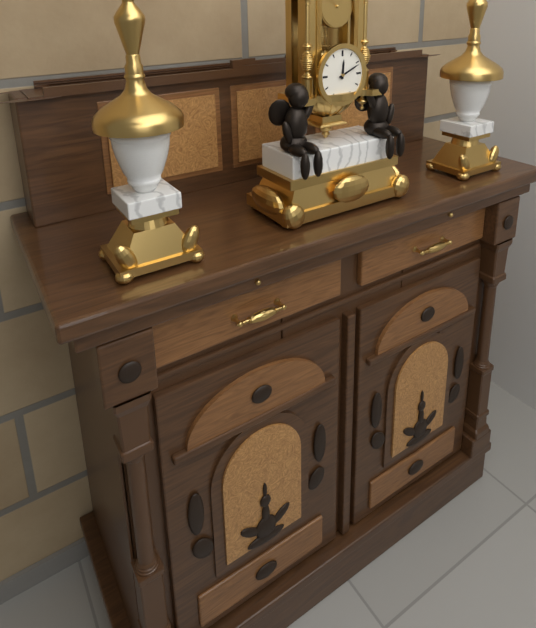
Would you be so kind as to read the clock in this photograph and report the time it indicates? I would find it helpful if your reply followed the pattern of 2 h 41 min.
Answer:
12 h 11 min
